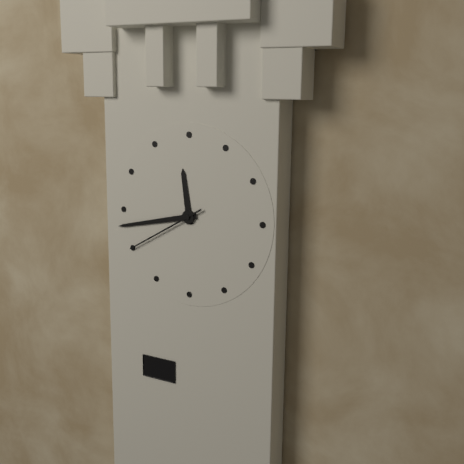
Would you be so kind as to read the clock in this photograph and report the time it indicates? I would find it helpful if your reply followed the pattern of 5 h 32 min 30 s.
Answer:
11 h 43 min 40 s
